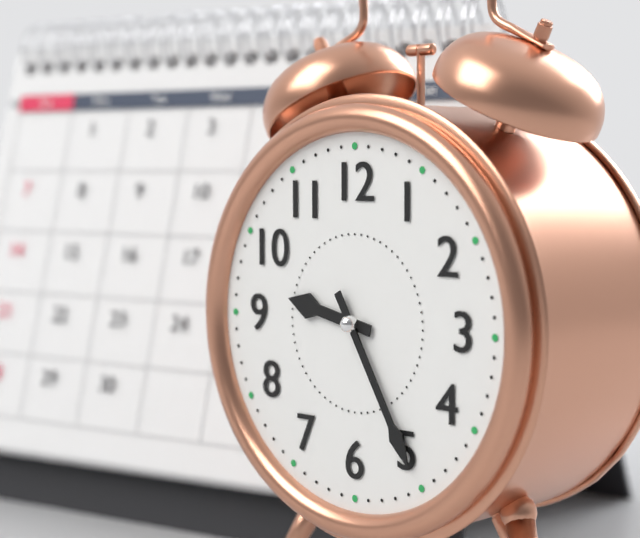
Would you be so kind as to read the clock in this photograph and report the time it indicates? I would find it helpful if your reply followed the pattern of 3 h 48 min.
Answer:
9 h 25 min
